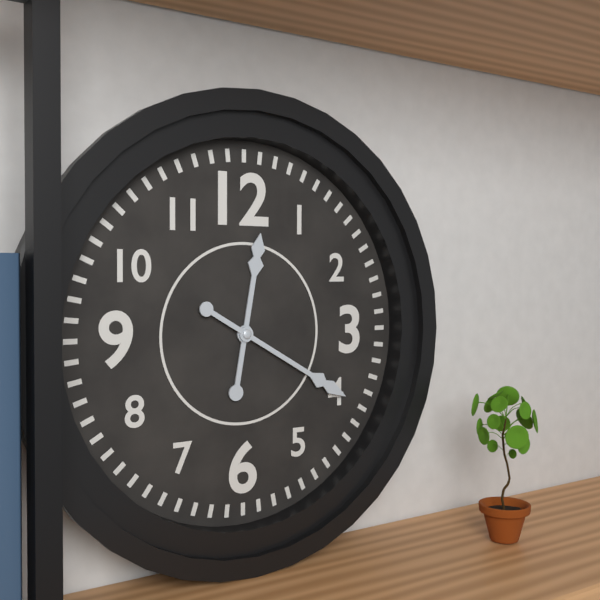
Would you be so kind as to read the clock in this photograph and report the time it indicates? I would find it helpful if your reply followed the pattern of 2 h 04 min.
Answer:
12 h 20 min
